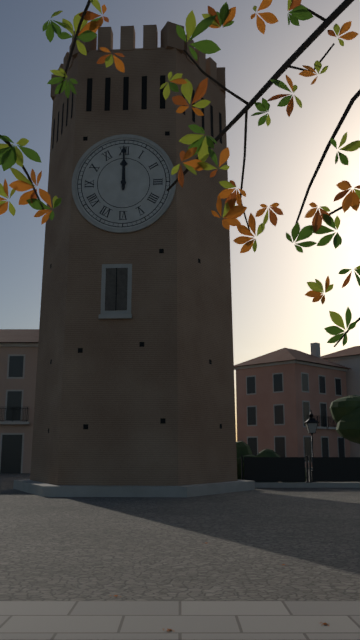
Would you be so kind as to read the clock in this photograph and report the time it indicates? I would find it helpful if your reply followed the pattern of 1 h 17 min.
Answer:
12 h 00 min
